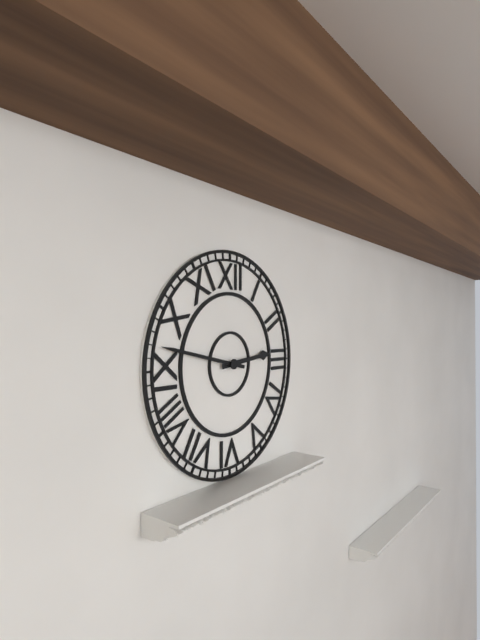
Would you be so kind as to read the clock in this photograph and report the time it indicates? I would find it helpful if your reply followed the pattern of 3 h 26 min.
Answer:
2 h 47 min
